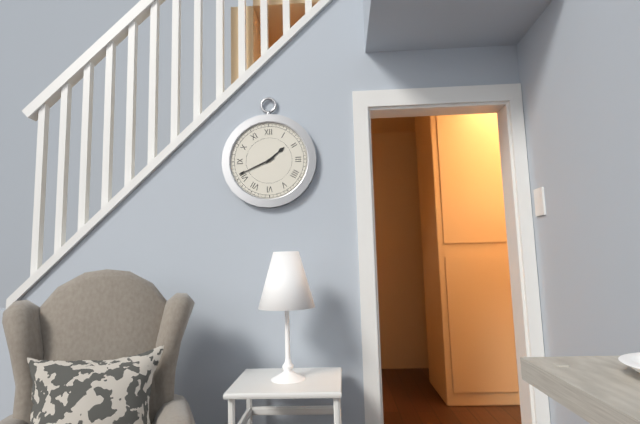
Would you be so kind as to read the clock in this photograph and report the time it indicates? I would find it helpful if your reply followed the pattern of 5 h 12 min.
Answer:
1 h 41 min
